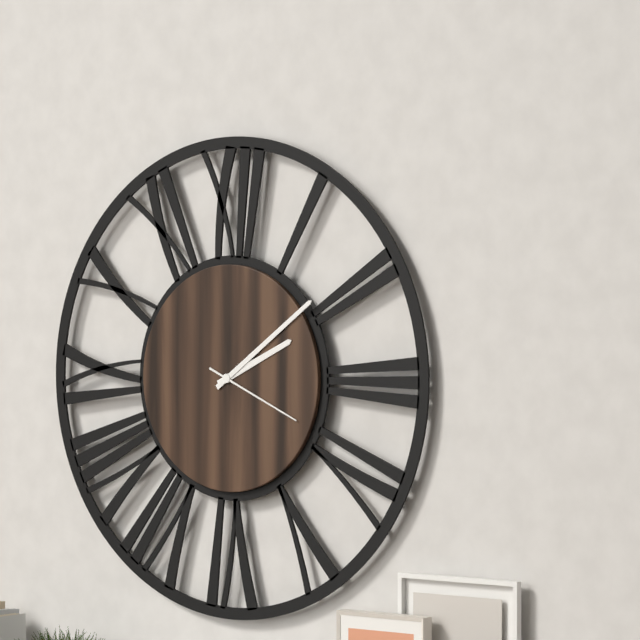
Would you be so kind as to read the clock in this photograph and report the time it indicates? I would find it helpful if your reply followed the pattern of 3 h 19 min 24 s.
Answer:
2 h 09 min 19 s
